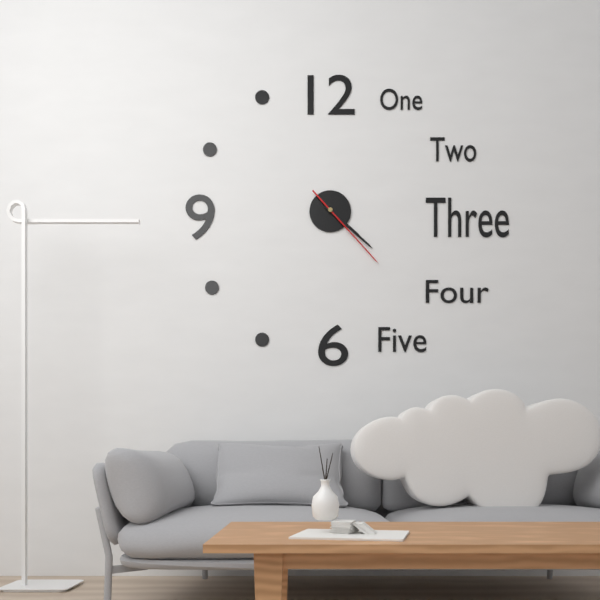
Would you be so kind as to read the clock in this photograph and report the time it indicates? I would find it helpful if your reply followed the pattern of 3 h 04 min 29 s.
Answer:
4 h 22 min 23 s
